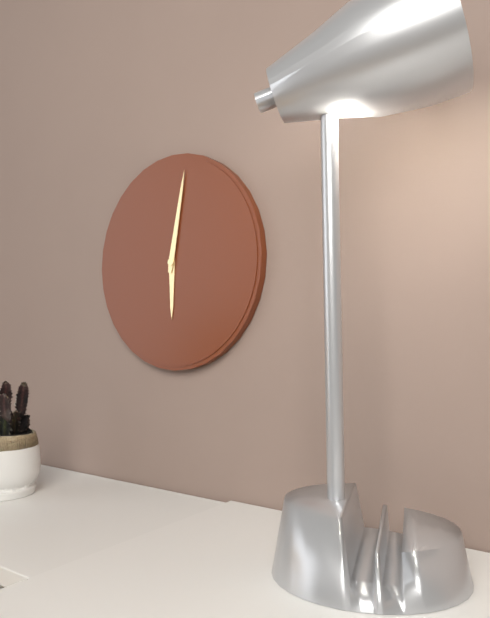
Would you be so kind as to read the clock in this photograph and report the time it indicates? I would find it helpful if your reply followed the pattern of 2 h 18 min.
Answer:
6 h 02 min
